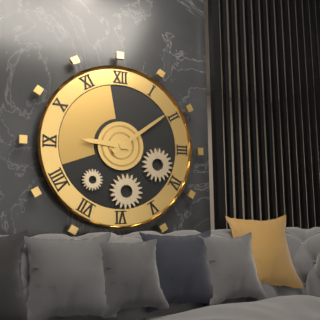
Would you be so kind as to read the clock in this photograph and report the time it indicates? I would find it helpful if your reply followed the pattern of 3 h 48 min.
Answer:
9 h 09 min
